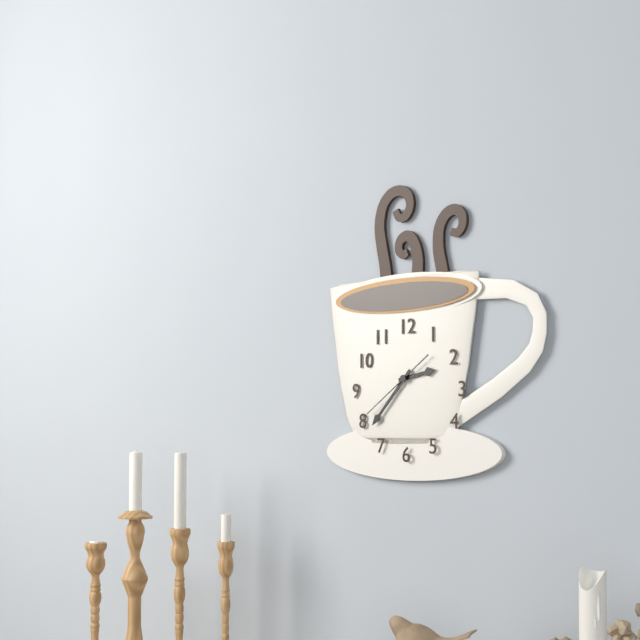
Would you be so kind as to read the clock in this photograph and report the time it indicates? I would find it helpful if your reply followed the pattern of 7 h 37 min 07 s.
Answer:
2 h 37 min 39 s
